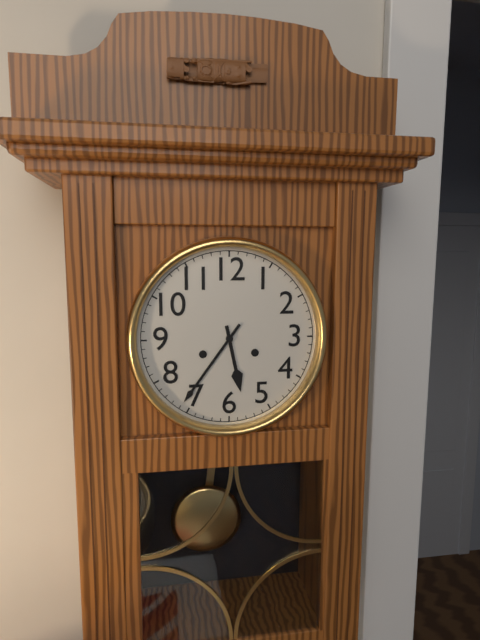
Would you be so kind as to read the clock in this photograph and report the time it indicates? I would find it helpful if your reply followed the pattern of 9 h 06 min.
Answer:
5 h 36 min
